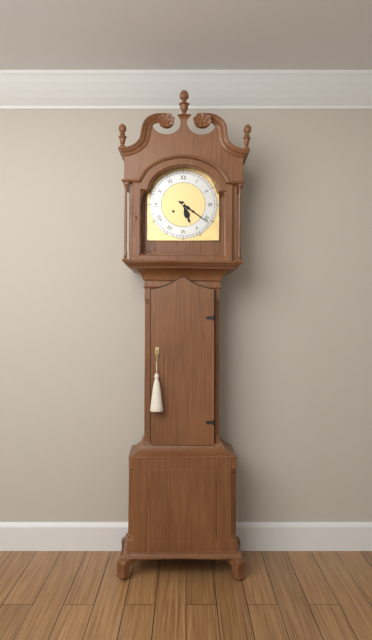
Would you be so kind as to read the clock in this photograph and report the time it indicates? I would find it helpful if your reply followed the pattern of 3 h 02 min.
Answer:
5 h 21 min
